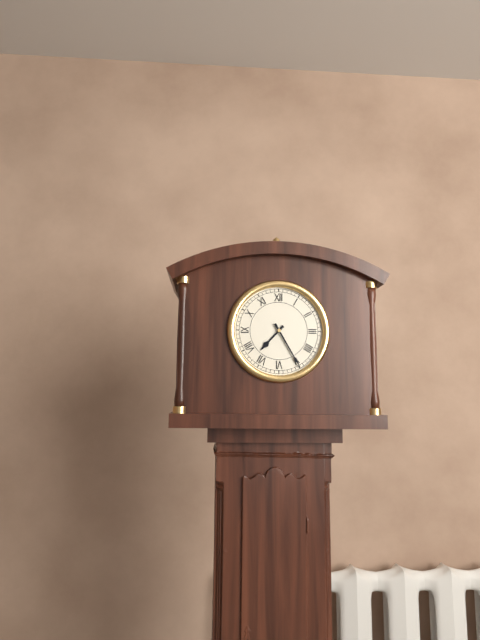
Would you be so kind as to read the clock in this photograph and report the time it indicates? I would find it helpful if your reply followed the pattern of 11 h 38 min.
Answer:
7 h 25 min
